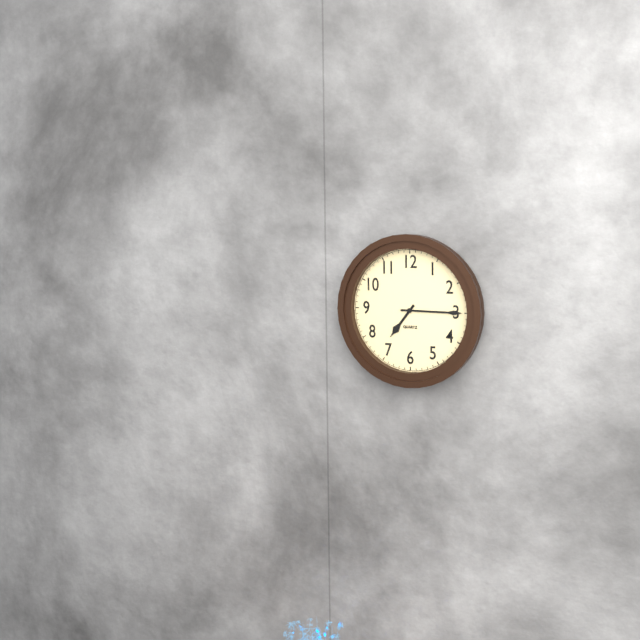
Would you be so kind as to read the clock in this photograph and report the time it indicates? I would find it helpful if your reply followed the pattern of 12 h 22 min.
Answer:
7 h 15 min
